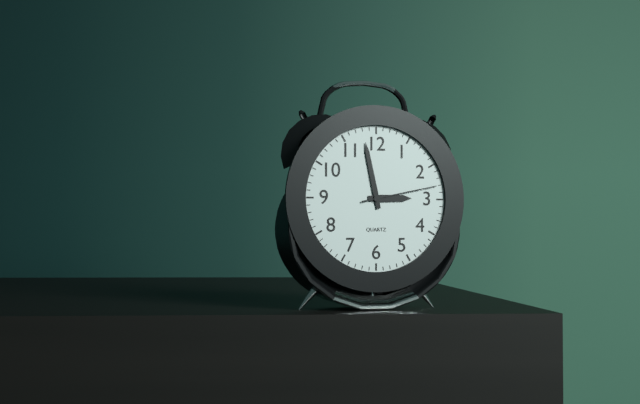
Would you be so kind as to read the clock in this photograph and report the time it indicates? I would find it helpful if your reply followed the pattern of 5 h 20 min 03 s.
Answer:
2 h 58 min 13 s
